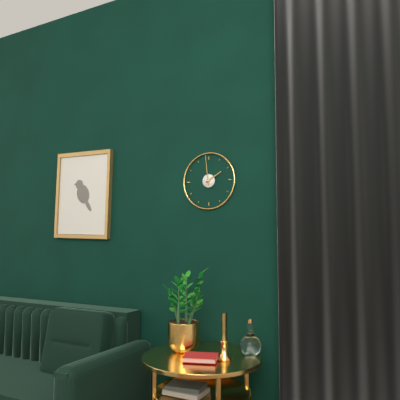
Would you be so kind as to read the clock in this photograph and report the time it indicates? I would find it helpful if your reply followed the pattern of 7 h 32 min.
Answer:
1 h 59 min
